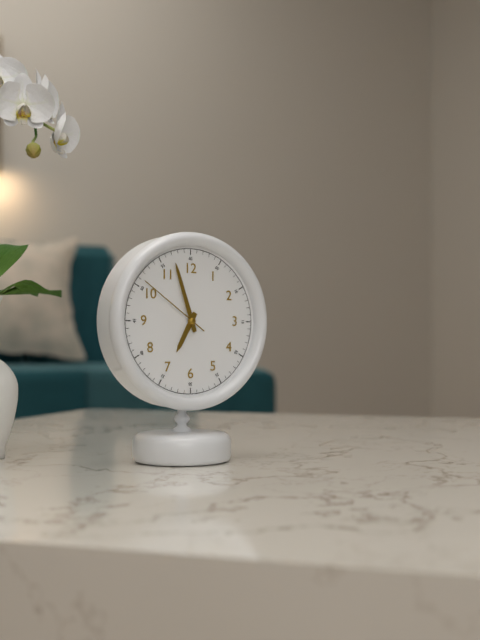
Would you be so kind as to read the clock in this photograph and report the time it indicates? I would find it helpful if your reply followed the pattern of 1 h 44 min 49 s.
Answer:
6 h 57 min 51 s
